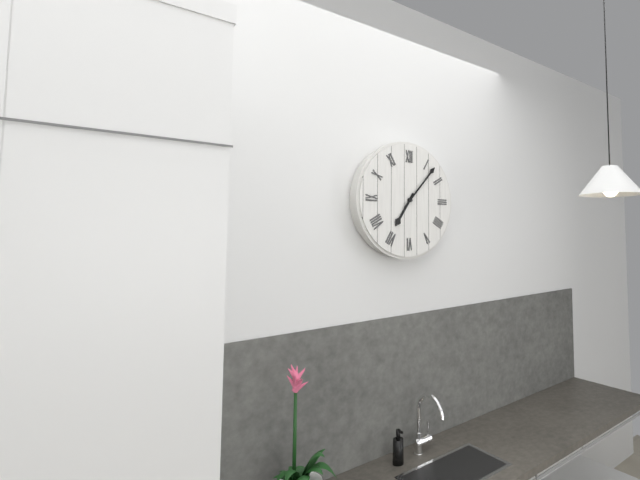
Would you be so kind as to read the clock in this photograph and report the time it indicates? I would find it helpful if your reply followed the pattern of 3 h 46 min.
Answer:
7 h 07 min
